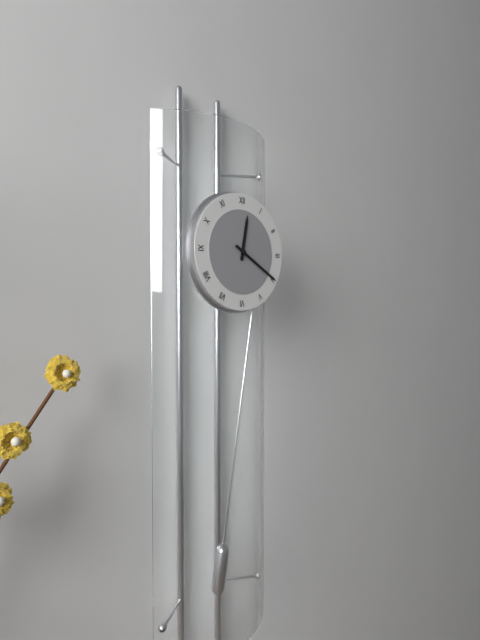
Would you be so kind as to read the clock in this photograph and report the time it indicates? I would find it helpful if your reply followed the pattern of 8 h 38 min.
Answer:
12 h 20 min
